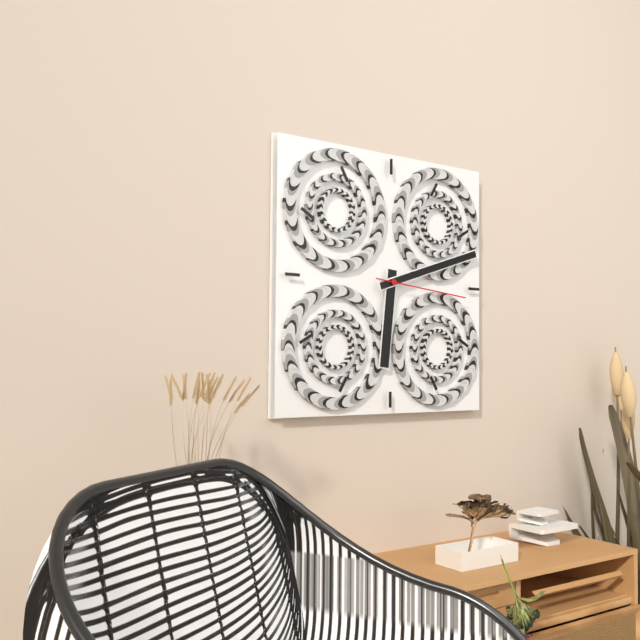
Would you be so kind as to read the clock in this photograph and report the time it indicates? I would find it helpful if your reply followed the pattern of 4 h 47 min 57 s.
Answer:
6 h 12 min 16 s
